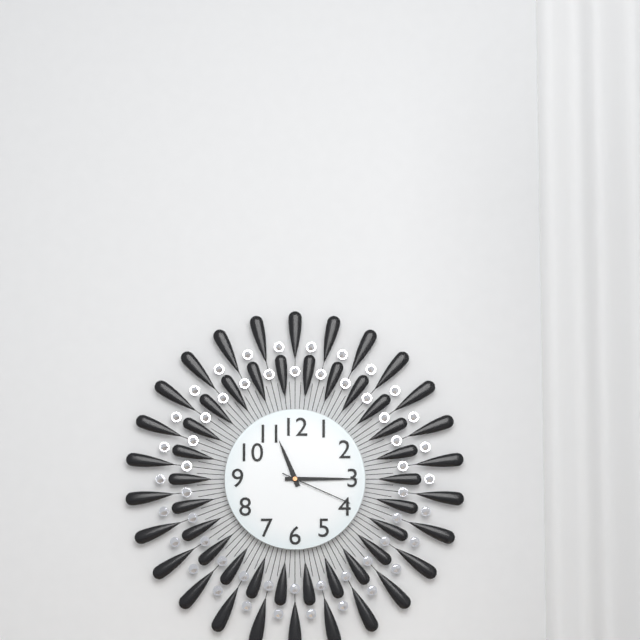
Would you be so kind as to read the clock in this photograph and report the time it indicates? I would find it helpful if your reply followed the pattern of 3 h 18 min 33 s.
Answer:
11 h 15 min 19 s
